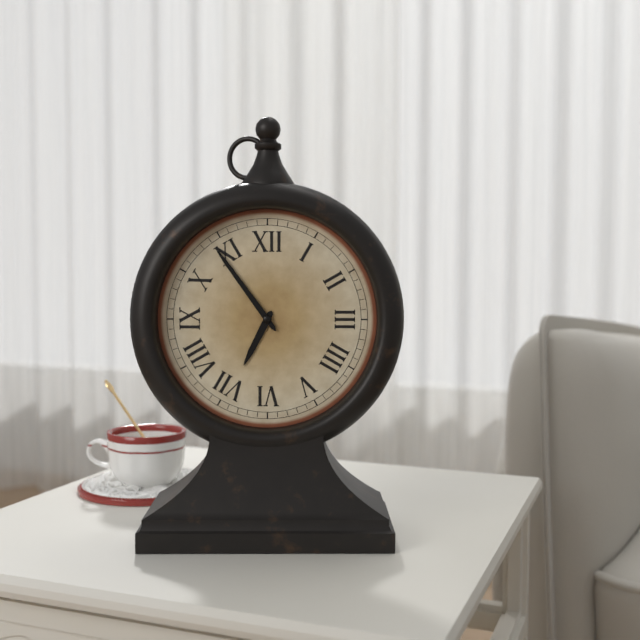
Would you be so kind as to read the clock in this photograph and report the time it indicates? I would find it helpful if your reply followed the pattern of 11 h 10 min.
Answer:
6 h 54 min
